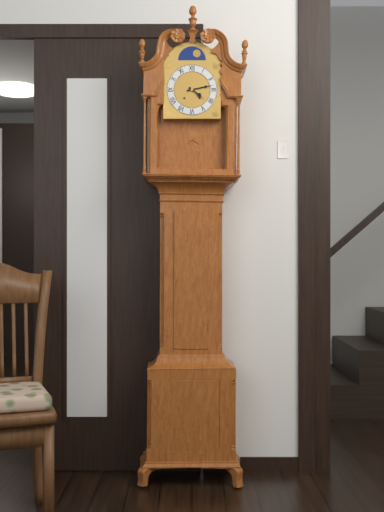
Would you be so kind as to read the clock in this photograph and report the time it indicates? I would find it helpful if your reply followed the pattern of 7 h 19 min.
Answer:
4 h 13 min
